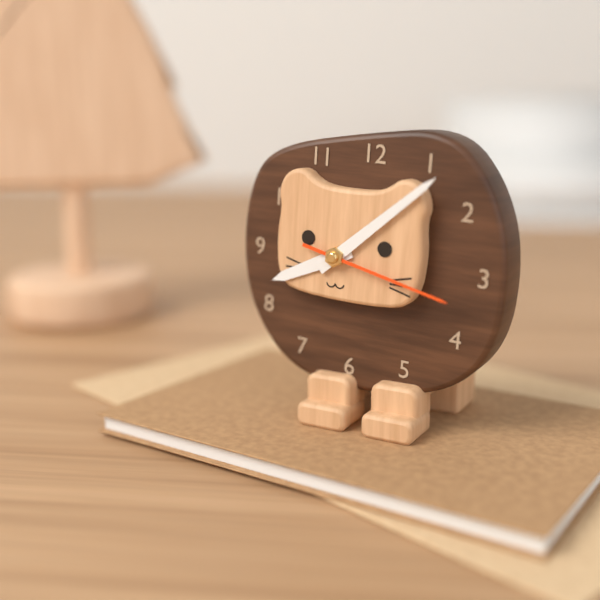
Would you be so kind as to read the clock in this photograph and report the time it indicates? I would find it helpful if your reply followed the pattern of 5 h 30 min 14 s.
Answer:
8 h 08 min 17 s
